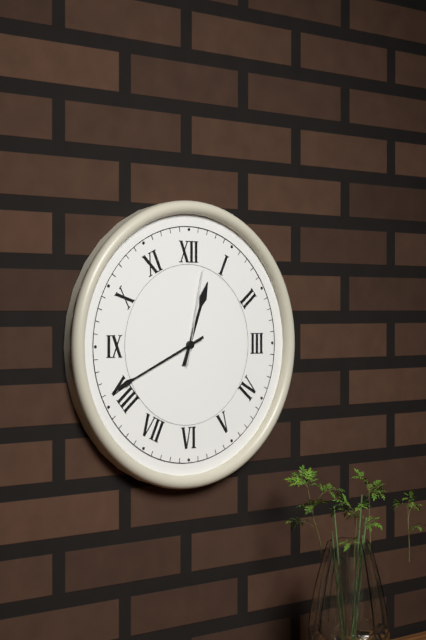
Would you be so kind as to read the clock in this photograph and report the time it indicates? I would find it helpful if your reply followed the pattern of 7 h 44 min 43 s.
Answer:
12 h 41 min 02 s
